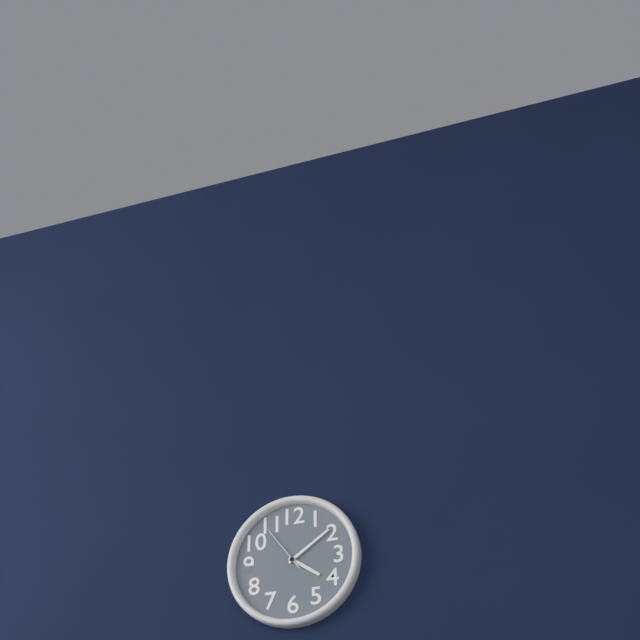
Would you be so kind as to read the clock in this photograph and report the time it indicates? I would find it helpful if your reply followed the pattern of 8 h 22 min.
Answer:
4 h 09 min
